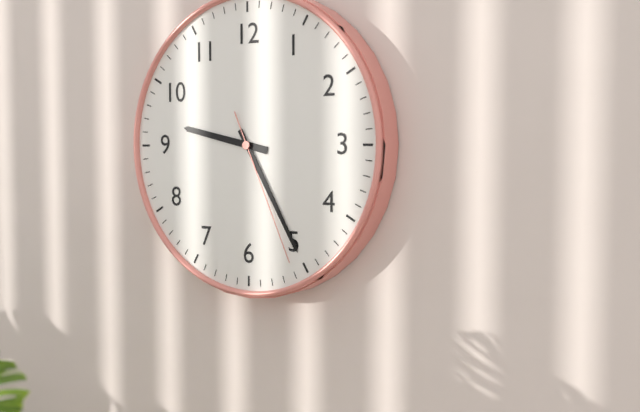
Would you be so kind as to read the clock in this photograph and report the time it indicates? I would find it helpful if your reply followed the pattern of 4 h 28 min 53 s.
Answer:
9 h 25 min 26 s
